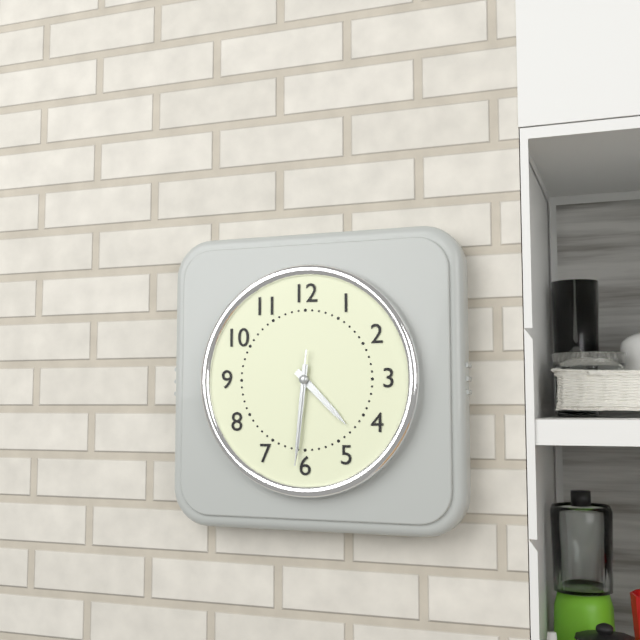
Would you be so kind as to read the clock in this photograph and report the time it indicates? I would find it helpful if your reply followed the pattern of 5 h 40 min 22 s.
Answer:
4 h 31 min 31 s
